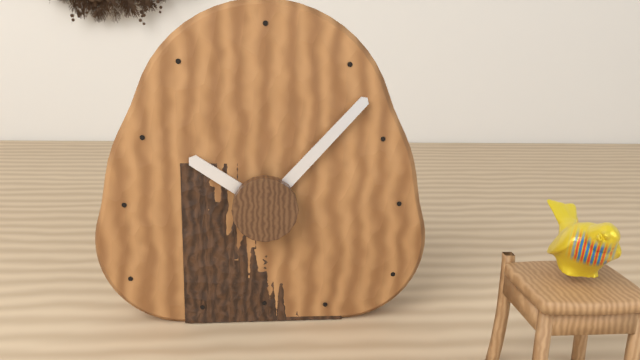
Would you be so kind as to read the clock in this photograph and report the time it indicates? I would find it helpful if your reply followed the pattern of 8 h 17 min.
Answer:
10 h 07 min
